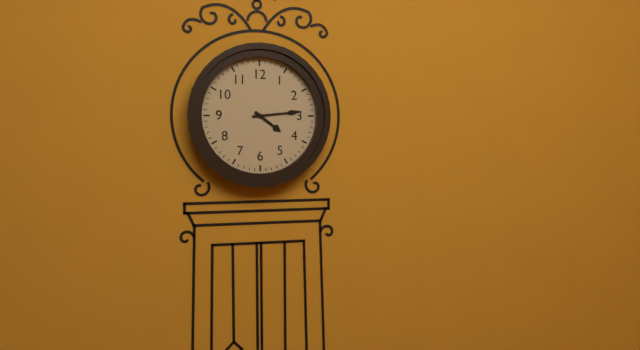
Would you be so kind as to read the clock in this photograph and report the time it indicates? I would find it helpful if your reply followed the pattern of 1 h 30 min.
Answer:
4 h 14 min
